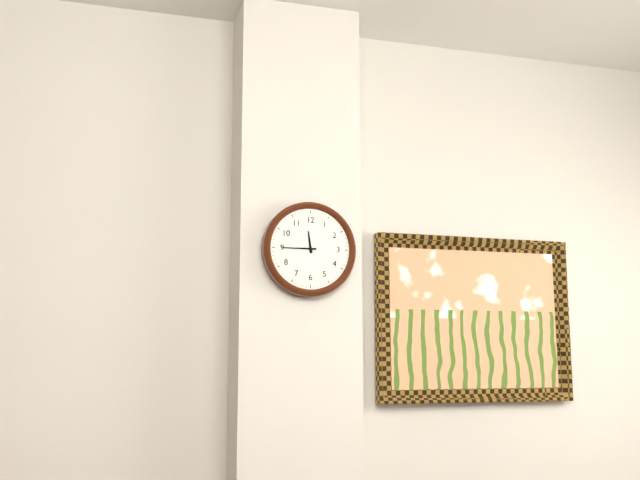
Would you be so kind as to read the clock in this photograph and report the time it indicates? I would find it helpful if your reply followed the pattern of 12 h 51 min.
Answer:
11 h 45 min
